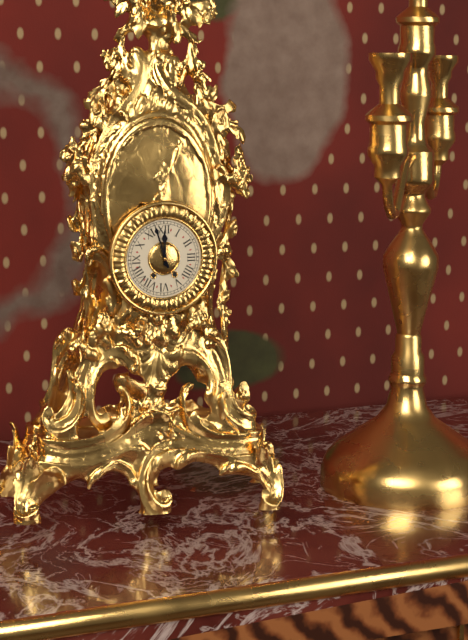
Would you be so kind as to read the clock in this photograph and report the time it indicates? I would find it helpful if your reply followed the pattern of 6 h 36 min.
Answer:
11 h 57 min
